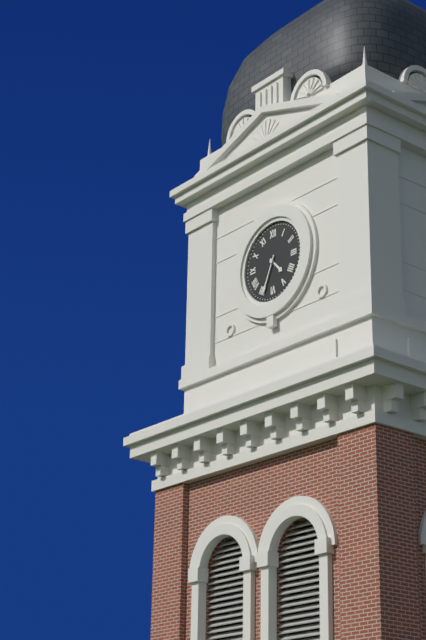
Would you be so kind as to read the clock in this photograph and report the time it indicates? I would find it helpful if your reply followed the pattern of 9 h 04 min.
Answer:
4 h 34 min
